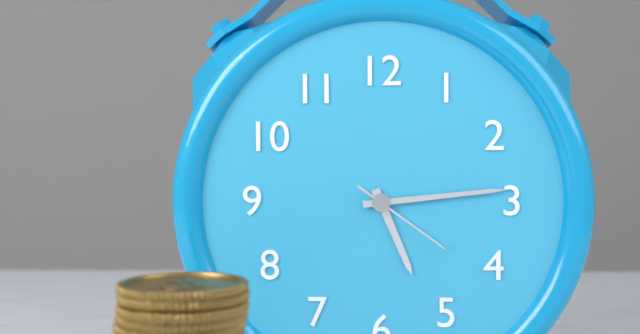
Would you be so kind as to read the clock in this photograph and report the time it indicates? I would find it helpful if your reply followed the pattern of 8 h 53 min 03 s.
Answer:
5 h 14 min 21 s
